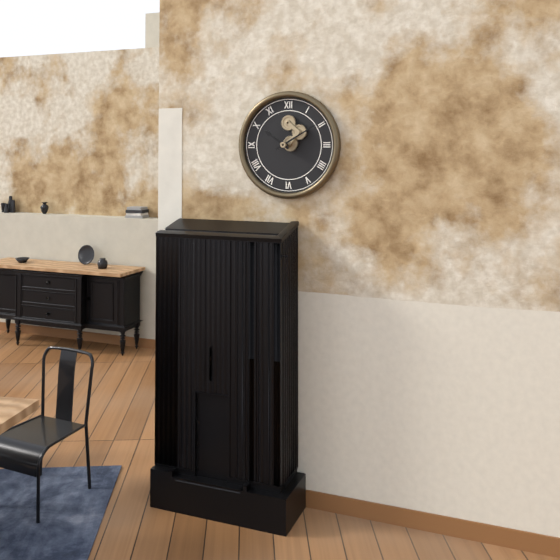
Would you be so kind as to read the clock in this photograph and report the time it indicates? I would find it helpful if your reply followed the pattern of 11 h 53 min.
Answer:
10 h 10 min
